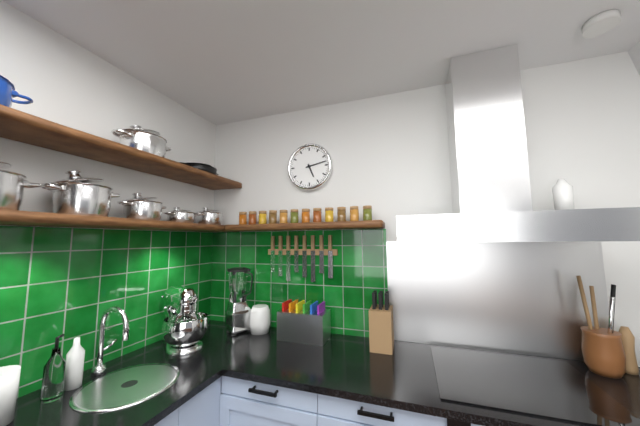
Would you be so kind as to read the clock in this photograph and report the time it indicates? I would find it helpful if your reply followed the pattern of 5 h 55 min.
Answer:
5 h 13 min
